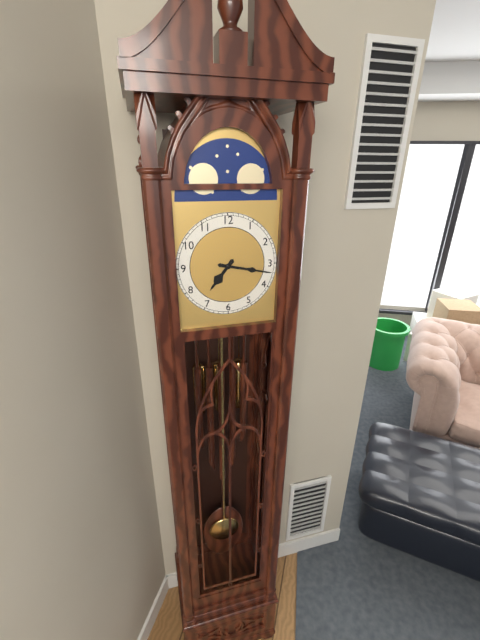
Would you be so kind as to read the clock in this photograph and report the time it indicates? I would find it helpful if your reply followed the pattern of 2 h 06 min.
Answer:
7 h 17 min
